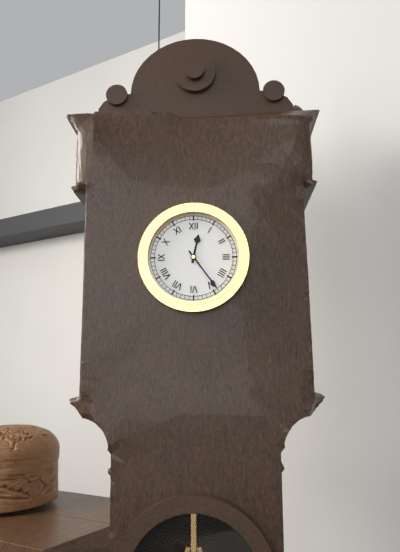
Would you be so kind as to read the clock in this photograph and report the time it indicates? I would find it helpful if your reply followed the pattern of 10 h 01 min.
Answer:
12 h 24 min
